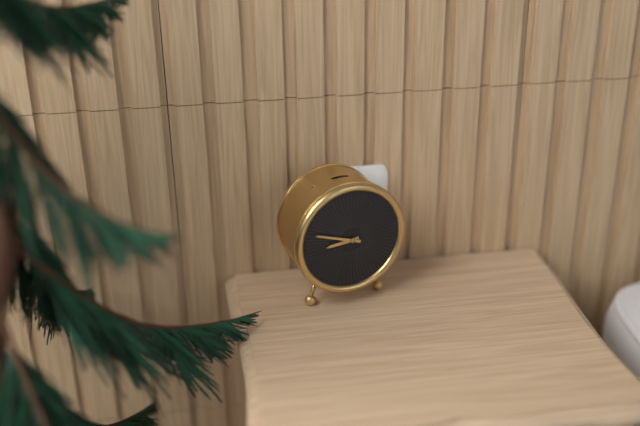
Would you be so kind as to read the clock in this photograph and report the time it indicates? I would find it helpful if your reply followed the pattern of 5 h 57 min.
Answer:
8 h 48 min
